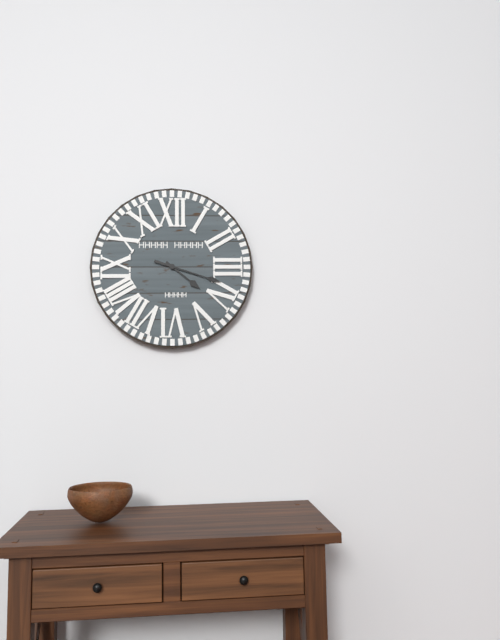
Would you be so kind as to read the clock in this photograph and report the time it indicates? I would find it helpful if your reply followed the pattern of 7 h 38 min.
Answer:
4 h 18 min
